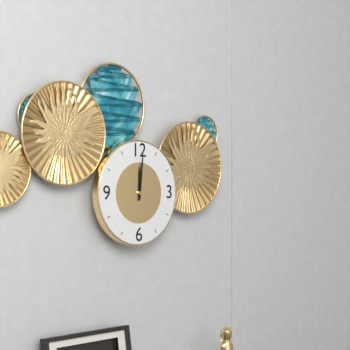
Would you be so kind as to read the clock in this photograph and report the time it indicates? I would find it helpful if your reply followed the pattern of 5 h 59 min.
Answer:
12 h 01 min
